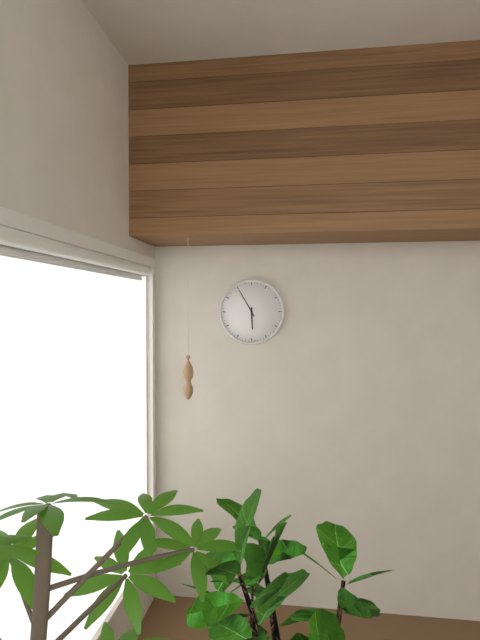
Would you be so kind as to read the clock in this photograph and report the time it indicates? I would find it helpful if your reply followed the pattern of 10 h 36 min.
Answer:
5 h 55 min
